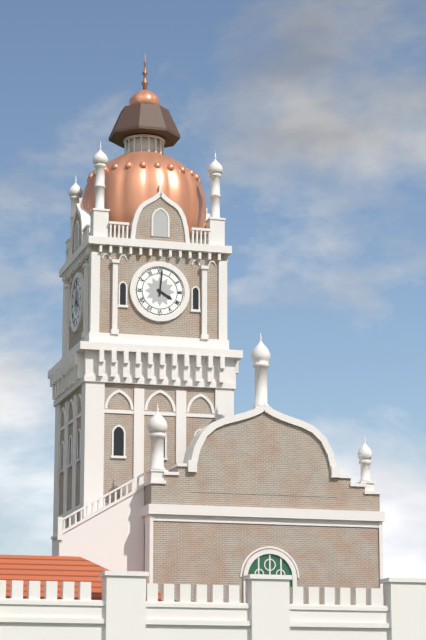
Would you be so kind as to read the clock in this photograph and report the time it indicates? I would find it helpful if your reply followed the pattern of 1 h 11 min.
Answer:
4 h 01 min
